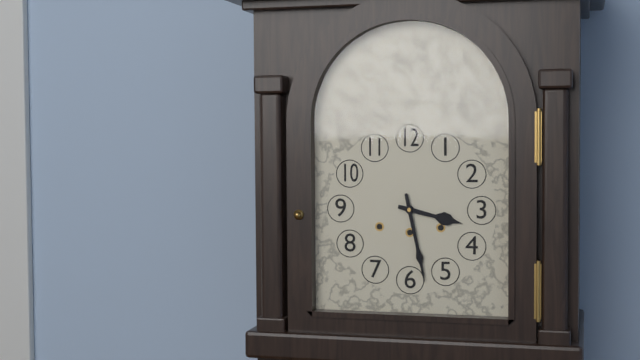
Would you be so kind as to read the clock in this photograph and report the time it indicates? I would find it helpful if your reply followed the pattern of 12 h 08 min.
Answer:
3 h 28 min
